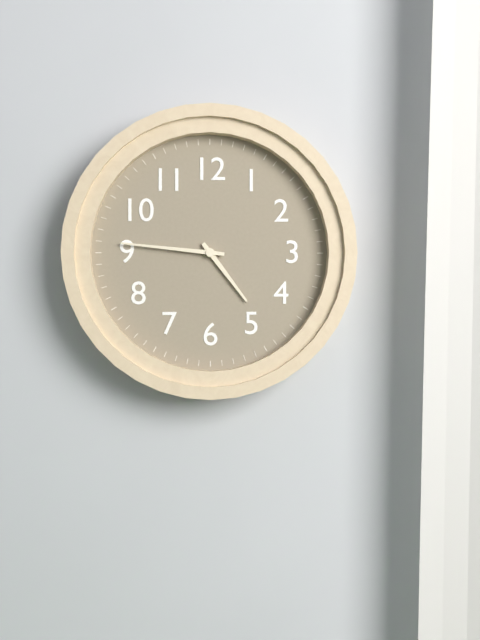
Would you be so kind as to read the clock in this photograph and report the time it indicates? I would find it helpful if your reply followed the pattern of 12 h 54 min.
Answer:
4 h 46 min
